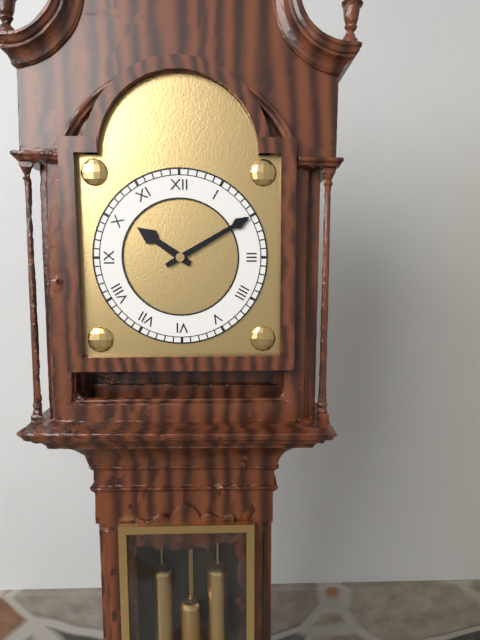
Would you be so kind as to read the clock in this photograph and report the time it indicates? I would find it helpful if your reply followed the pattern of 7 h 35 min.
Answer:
10 h 10 min
